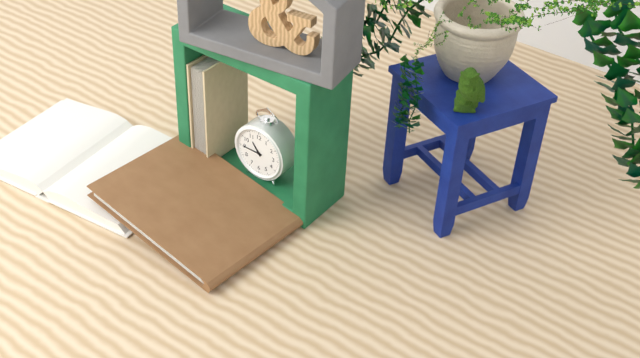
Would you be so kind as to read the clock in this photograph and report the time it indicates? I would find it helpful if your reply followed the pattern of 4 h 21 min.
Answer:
10 h 45 min
